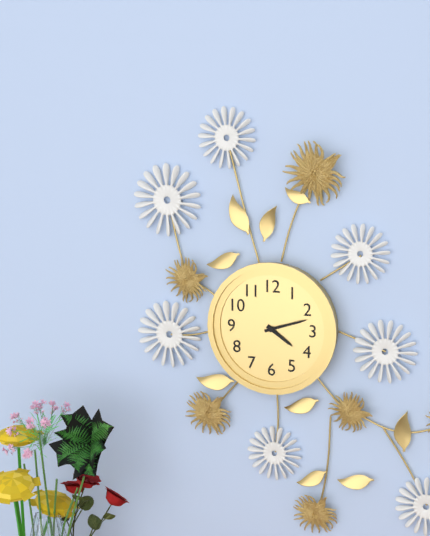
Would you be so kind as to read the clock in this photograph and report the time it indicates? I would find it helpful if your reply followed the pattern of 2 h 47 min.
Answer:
4 h 12 min
